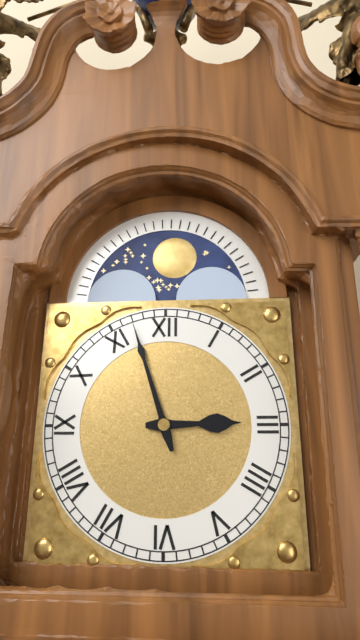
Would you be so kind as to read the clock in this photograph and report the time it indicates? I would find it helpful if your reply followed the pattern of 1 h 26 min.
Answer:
2 h 57 min
